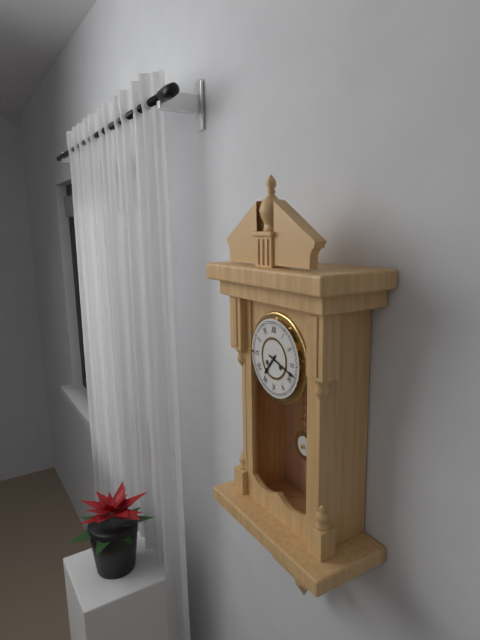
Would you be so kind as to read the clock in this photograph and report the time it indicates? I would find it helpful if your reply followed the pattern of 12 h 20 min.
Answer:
7 h 18 min
